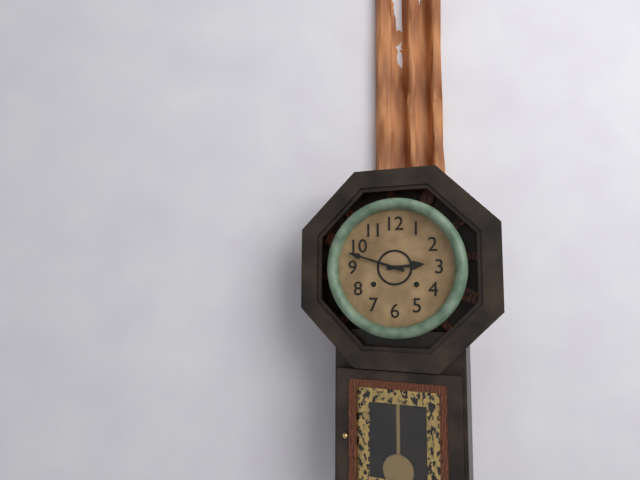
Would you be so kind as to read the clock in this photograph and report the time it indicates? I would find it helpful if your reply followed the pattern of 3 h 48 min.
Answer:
2 h 48 min
